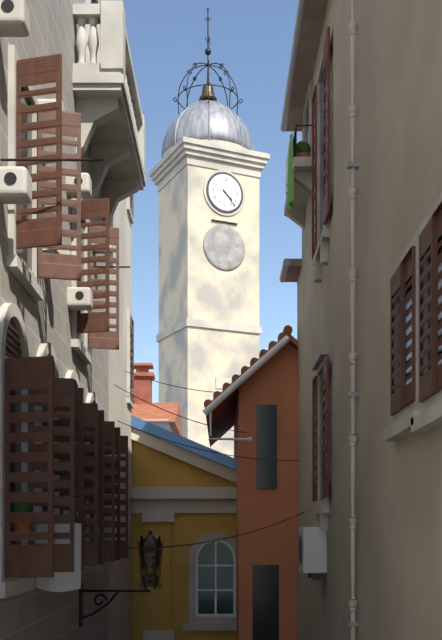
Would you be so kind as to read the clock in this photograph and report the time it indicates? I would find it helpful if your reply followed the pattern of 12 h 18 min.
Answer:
4 h 23 min
